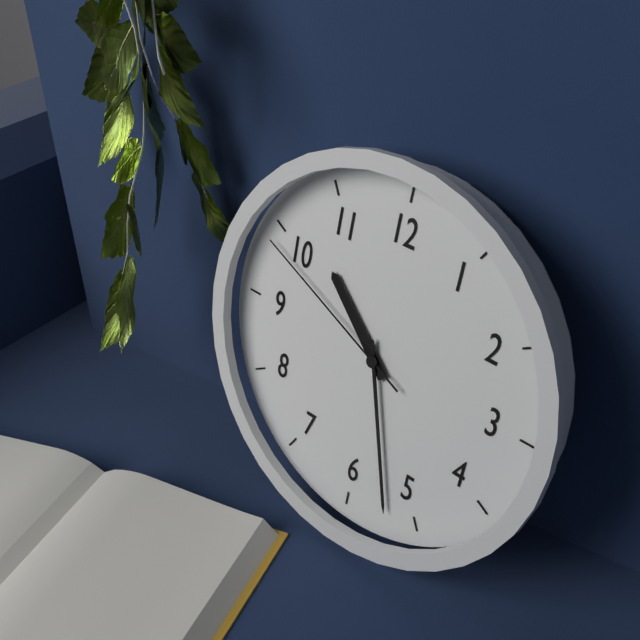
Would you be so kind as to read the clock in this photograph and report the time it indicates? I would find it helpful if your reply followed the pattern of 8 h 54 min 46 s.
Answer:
10 h 27 min 49 s
